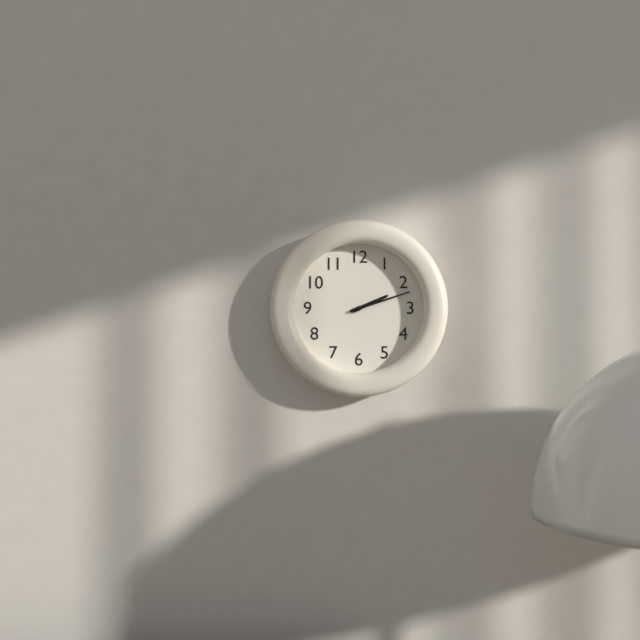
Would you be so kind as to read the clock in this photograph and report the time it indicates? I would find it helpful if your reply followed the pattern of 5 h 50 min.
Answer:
2 h 12 min
